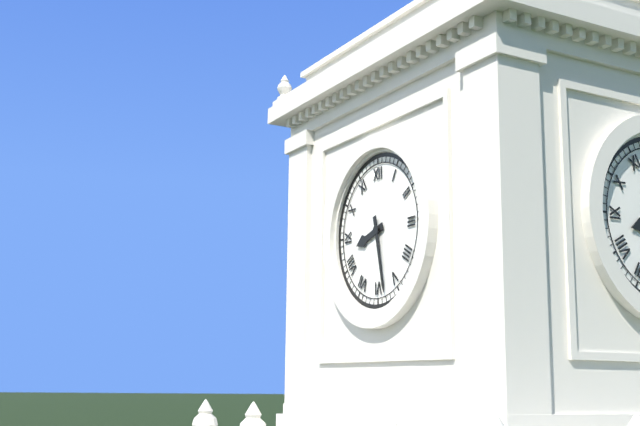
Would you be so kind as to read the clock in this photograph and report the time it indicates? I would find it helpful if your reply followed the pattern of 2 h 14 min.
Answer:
8 h 28 min
